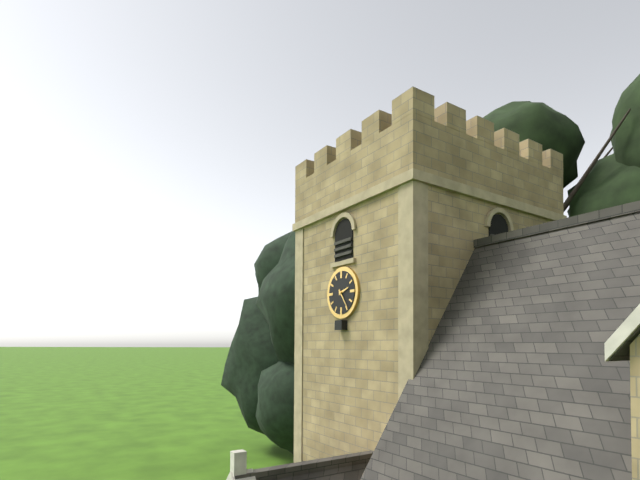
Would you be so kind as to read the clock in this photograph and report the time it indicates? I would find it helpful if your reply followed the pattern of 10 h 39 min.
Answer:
2 h 24 min
